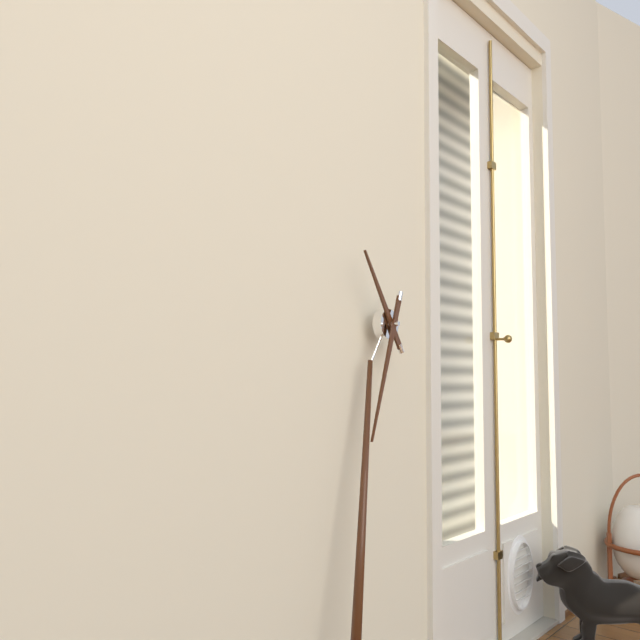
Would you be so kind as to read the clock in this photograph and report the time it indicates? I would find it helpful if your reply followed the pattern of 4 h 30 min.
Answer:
10 h 31 min
